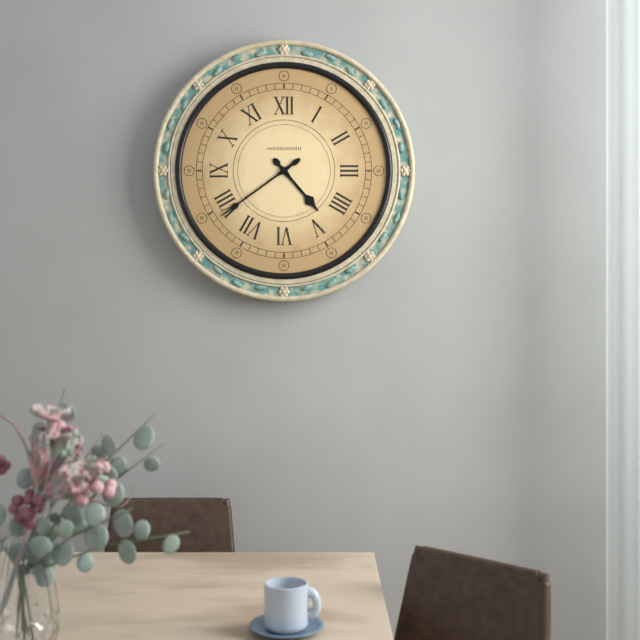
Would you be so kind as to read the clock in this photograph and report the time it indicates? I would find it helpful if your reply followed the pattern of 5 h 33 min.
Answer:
4 h 39 min
